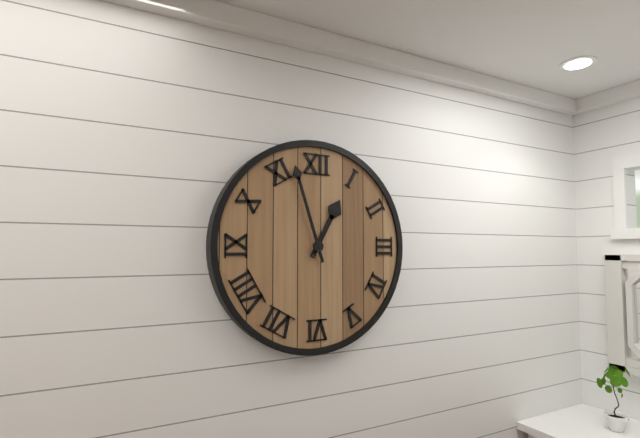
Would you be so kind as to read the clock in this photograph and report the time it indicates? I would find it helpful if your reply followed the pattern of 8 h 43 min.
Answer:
12 h 57 min
